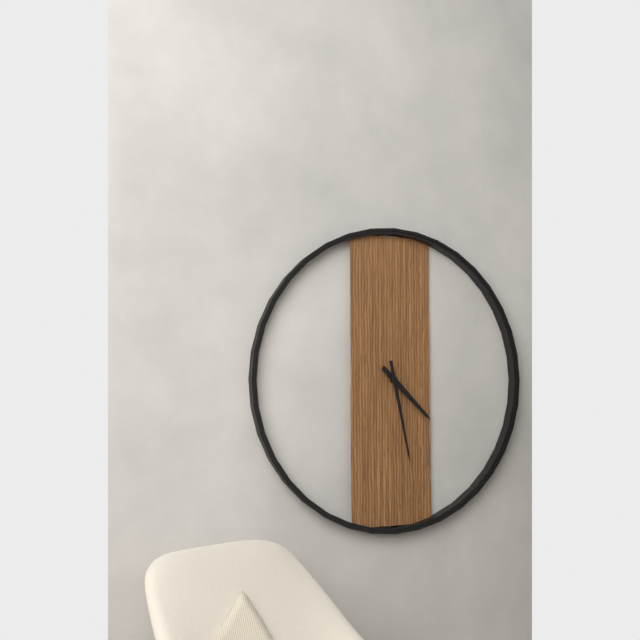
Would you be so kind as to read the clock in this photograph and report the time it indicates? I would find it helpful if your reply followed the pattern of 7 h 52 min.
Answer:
4 h 28 min
